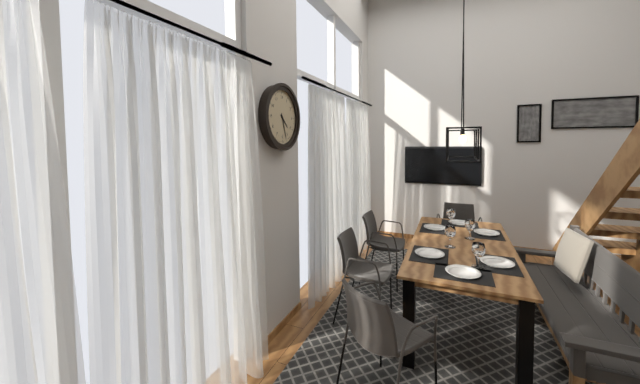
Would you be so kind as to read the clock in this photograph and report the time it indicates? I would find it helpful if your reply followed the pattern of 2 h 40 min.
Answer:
4 h 27 min
